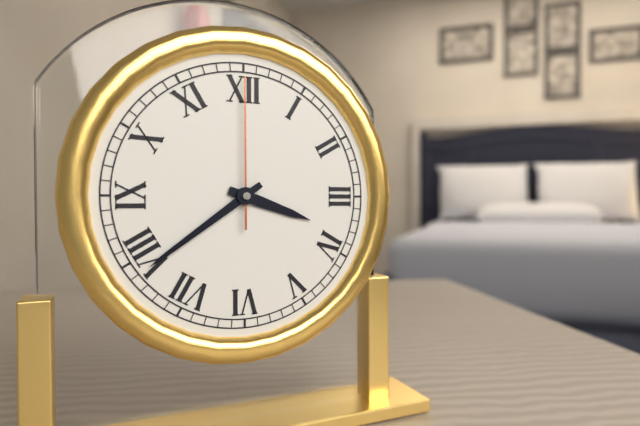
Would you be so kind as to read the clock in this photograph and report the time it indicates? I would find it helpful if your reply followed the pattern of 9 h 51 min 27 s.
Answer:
3 h 39 min 00 s
